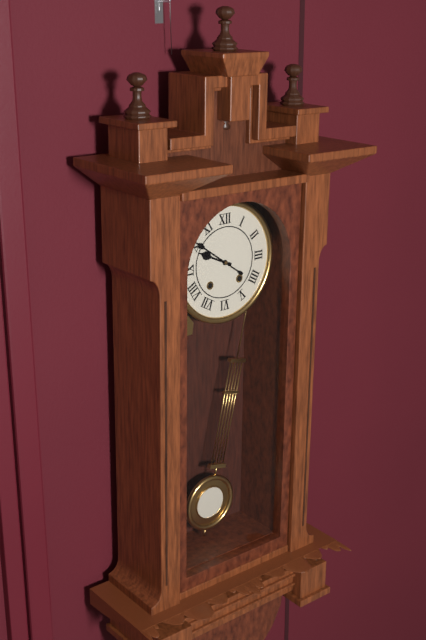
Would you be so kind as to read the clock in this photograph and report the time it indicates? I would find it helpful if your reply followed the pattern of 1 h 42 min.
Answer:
9 h 51 min
